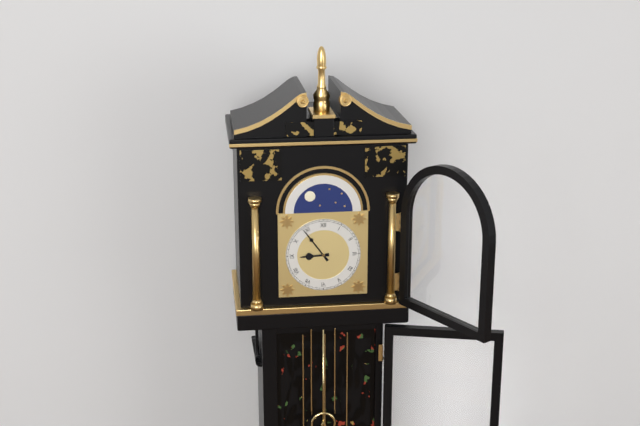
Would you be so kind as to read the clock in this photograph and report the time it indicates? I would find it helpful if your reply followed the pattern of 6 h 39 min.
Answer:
8 h 54 min
